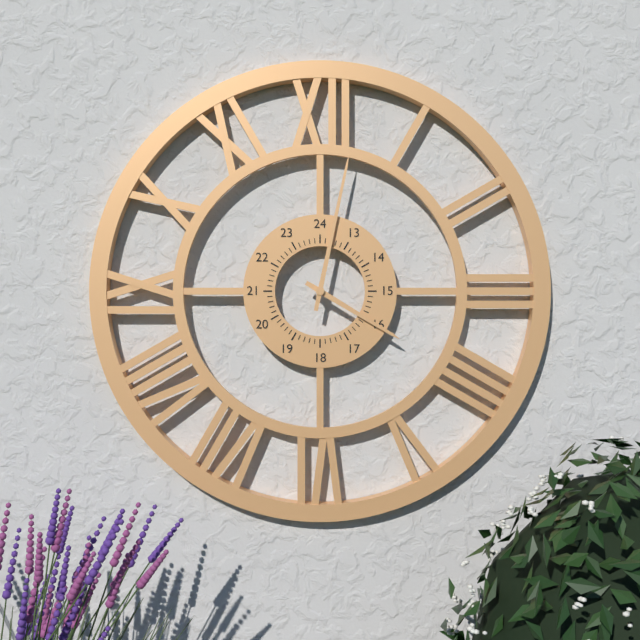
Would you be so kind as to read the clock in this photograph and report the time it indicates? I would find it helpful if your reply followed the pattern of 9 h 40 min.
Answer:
4 h 02 min
